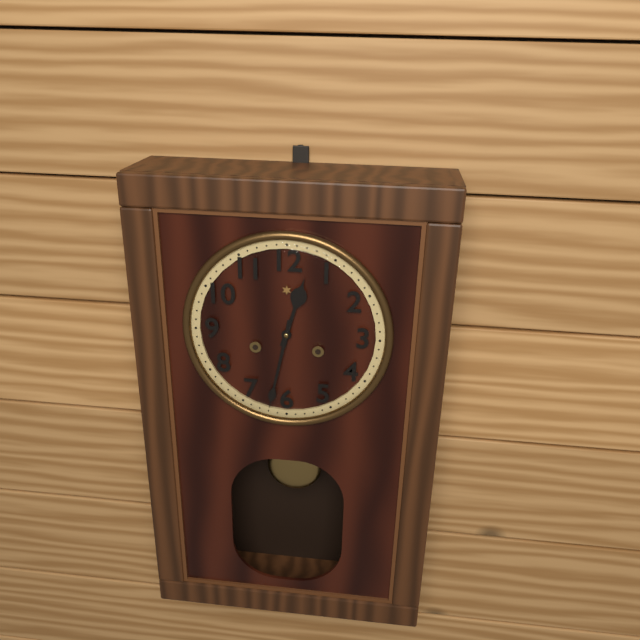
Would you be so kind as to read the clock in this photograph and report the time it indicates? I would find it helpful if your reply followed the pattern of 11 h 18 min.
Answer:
12 h 32 min
